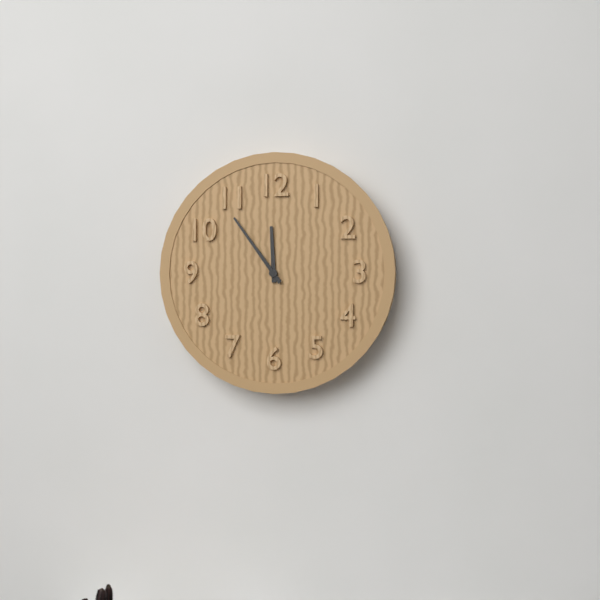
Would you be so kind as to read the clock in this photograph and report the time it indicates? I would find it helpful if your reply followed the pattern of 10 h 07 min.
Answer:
11 h 54 min
